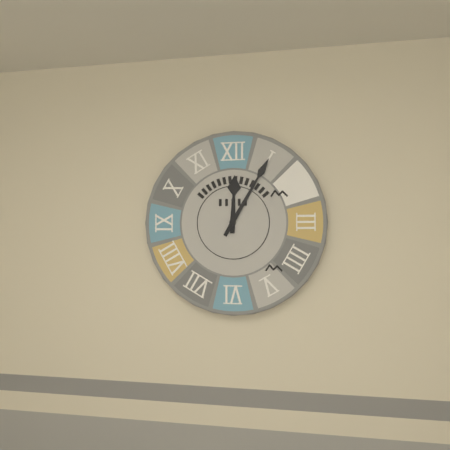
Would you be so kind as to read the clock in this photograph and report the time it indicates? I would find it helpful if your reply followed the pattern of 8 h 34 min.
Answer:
12 h 05 min
